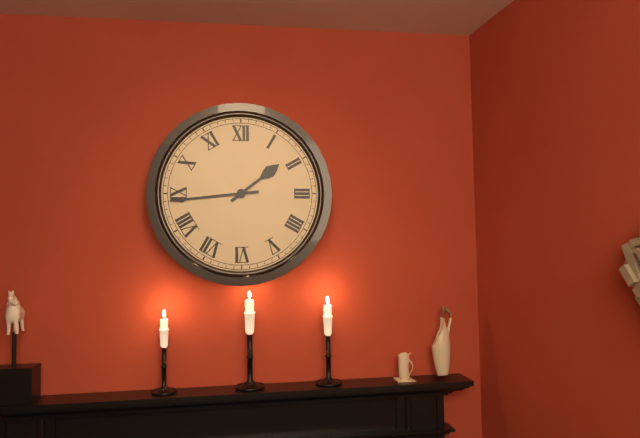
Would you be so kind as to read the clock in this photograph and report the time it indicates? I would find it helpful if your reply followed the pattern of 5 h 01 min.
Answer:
1 h 44 min
